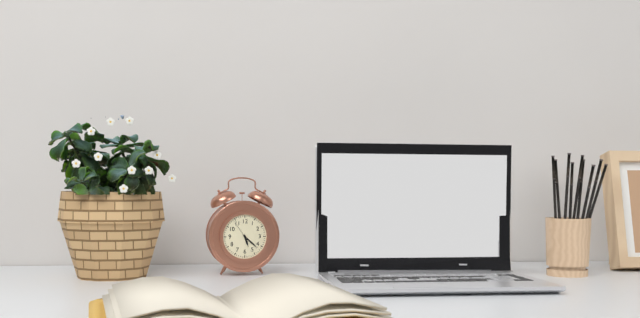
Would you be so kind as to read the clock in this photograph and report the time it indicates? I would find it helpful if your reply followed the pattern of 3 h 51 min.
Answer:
5 h 22 min
